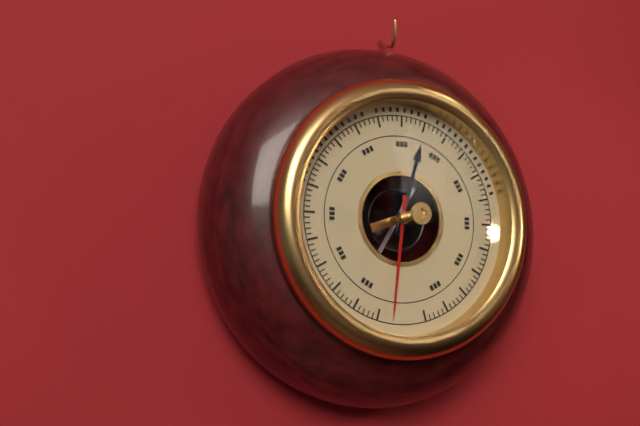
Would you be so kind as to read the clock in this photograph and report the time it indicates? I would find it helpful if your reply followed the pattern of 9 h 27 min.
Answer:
12 h 31 min
